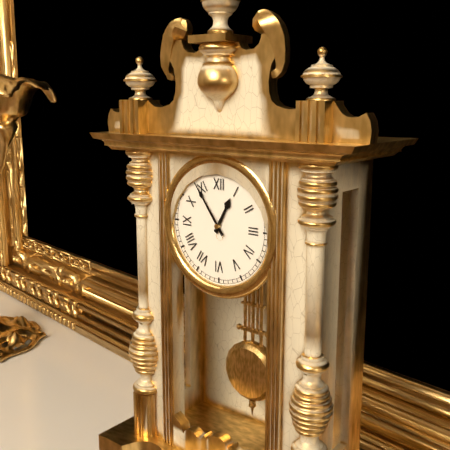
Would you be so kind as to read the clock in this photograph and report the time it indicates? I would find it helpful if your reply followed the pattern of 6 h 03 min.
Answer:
12 h 54 min
